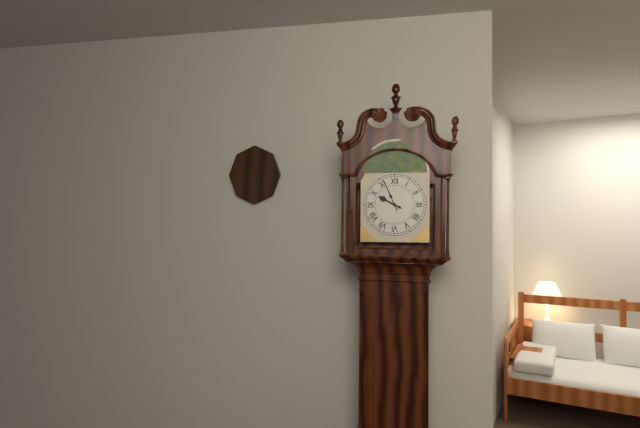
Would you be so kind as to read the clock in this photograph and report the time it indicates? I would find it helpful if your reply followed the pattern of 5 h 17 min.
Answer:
9 h 56 min
